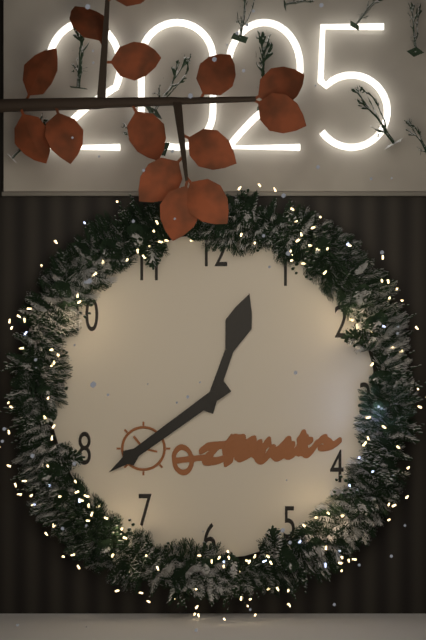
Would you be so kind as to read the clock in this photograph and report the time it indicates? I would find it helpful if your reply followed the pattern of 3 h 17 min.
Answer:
12 h 39 min
